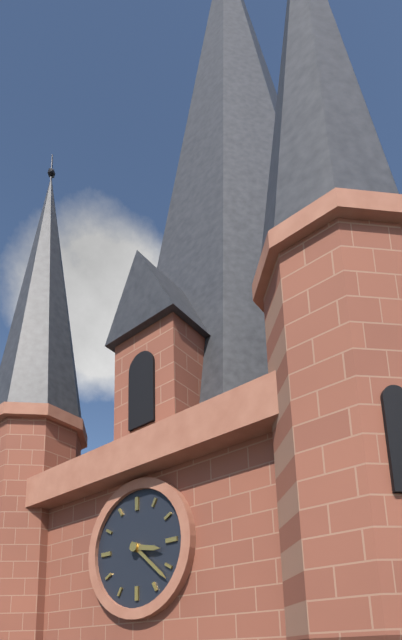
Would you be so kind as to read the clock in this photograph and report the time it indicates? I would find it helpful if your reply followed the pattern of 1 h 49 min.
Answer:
3 h 22 min
